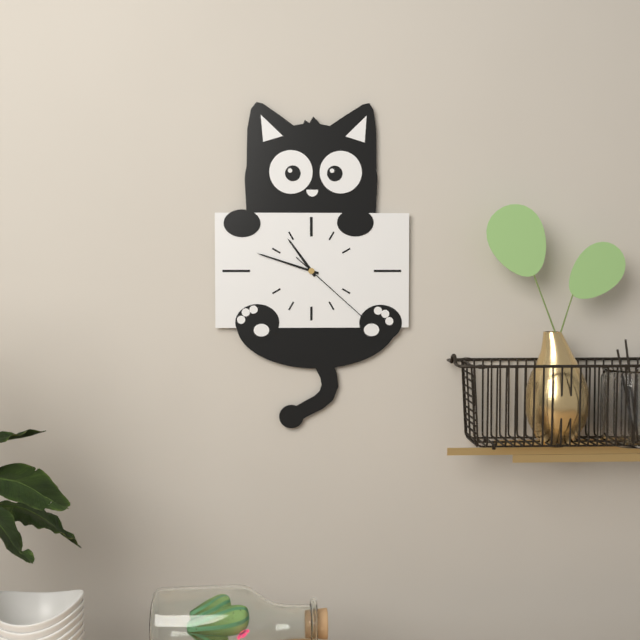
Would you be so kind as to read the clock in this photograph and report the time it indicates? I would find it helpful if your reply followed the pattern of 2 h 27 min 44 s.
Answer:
10 h 48 min 22 s
